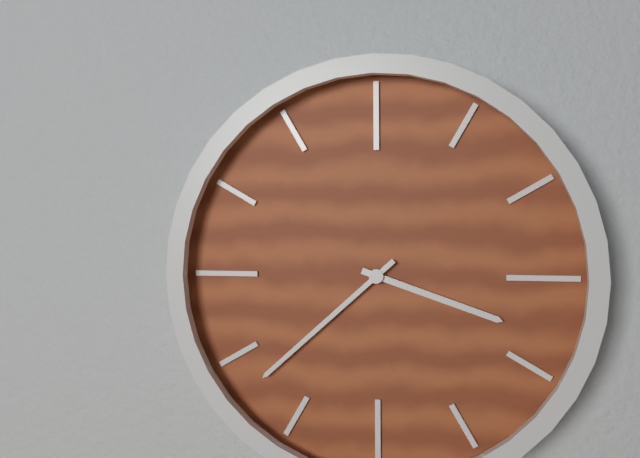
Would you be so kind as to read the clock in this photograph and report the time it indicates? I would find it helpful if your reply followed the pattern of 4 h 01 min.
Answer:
3 h 38 min
